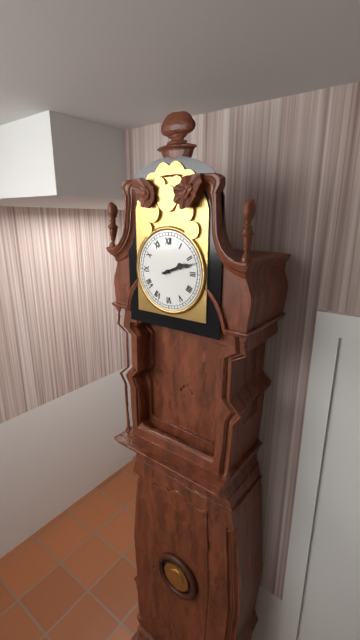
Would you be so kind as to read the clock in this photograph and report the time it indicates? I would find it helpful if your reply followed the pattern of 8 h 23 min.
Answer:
2 h 12 min
